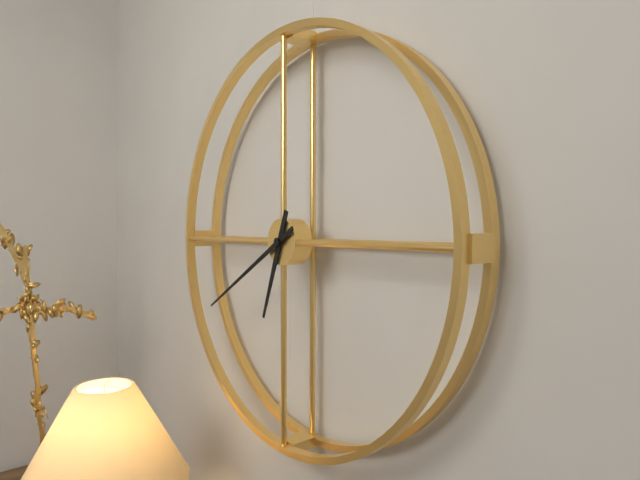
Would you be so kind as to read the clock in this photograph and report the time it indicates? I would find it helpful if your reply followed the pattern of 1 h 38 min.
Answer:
6 h 40 min
